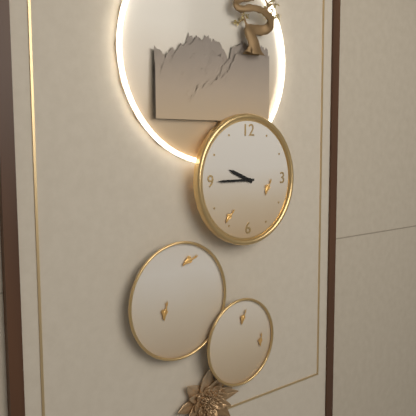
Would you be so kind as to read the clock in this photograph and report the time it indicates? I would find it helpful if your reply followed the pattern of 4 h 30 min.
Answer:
9 h 45 min
